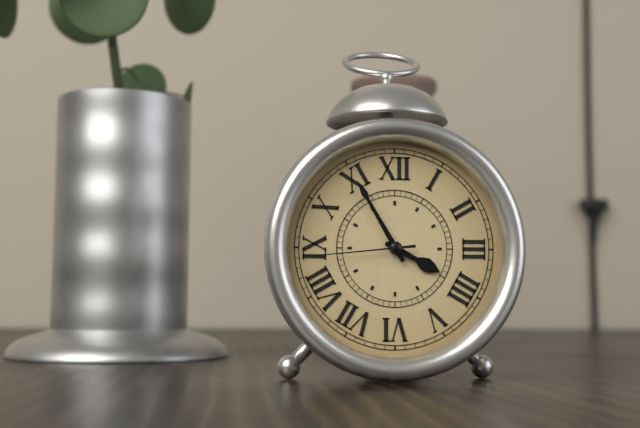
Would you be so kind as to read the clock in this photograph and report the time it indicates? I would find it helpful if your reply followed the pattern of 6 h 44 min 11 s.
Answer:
3 h 55 min 44 s
